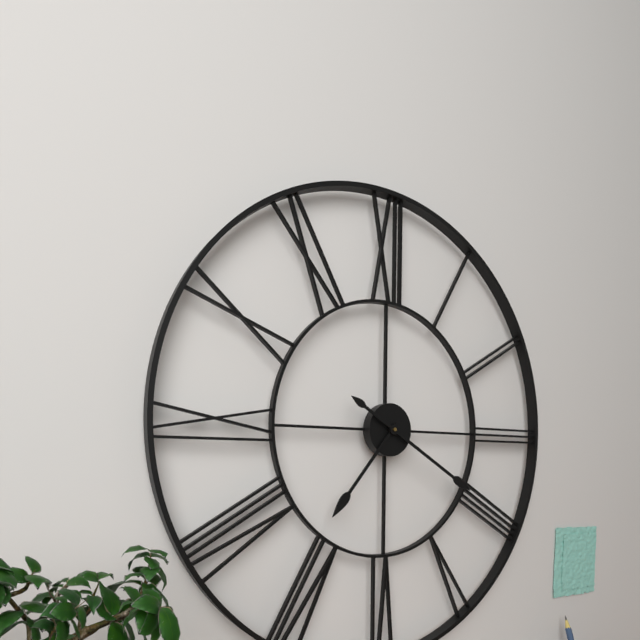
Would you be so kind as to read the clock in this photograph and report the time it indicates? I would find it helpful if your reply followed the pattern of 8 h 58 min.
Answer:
7 h 20 min
